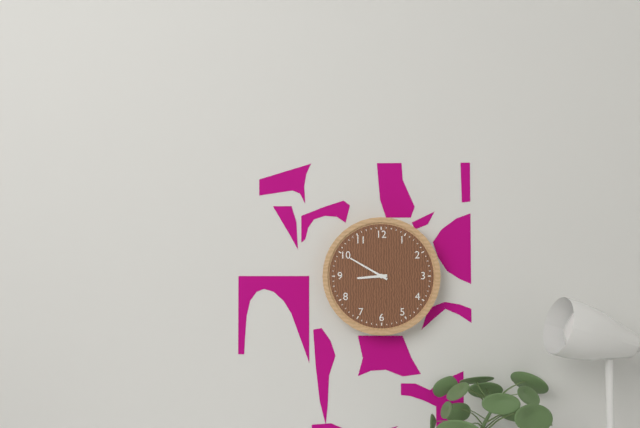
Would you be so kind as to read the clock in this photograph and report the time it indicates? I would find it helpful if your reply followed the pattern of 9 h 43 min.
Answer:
8 h 50 min
